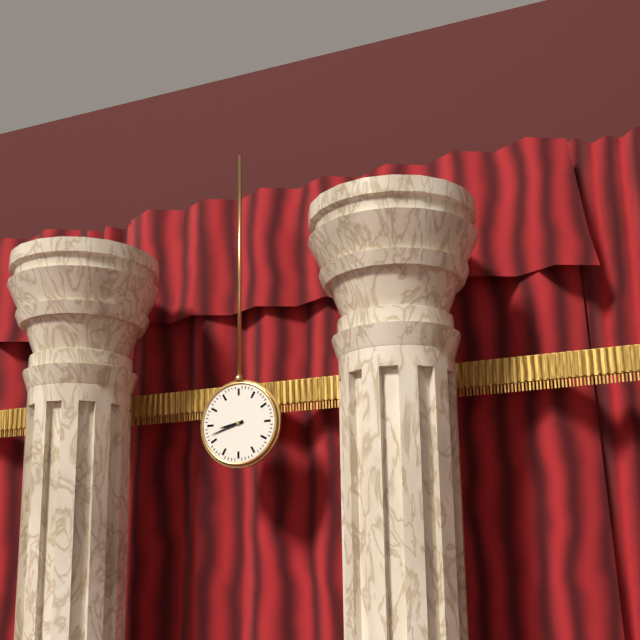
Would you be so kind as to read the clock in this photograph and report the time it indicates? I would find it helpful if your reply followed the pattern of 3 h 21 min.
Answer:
8 h 42 min
